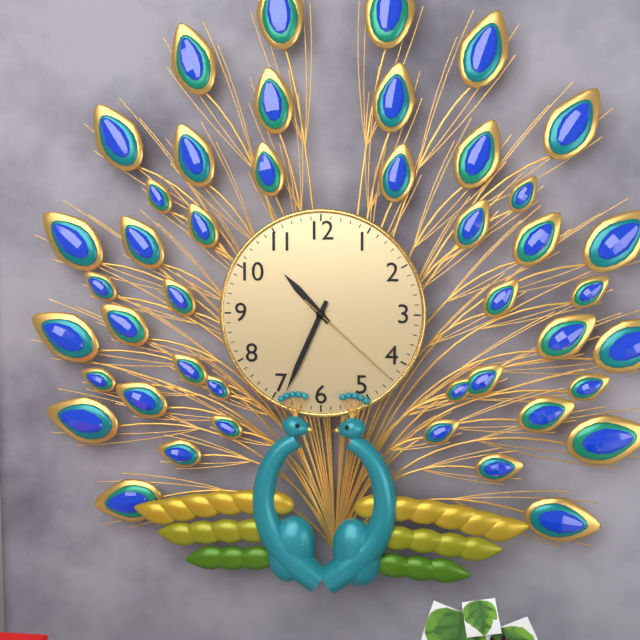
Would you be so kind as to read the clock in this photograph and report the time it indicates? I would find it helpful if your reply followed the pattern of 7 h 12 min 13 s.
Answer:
10 h 34 min 22 s
